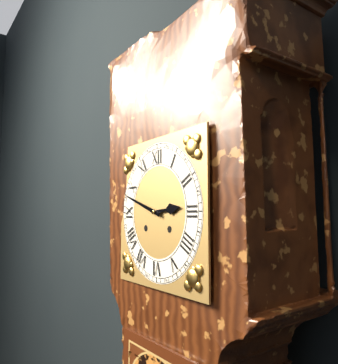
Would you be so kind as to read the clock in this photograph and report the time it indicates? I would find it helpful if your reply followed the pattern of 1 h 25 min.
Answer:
2 h 48 min
